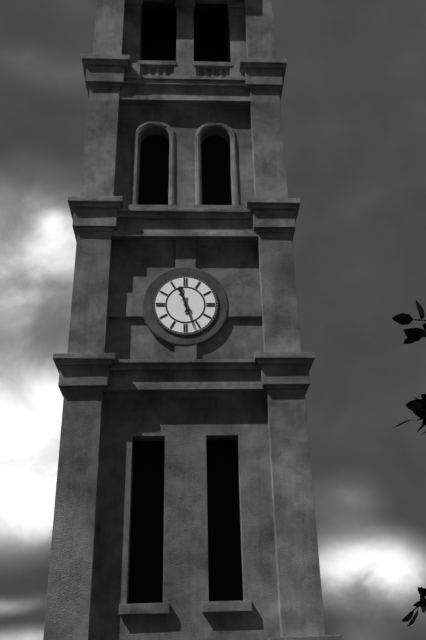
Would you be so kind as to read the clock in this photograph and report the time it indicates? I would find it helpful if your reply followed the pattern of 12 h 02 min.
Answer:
11 h 27 min
